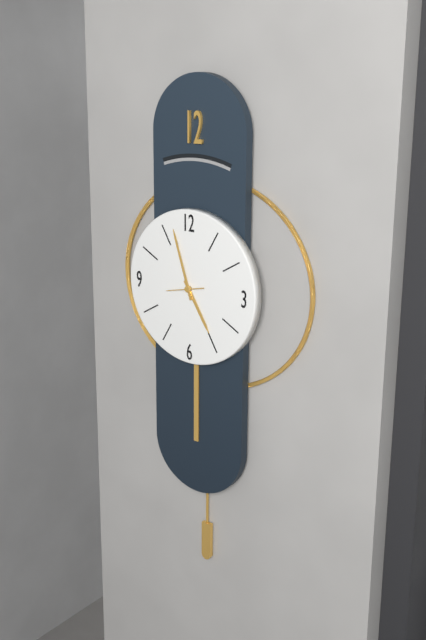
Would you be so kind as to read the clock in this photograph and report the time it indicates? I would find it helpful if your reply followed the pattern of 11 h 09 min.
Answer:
4 h 57 min
